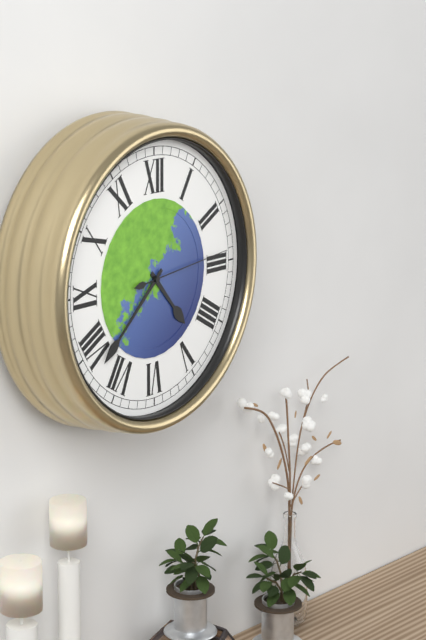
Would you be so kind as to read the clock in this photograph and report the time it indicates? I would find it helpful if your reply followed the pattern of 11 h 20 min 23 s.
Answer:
4 h 38 min 14 s
